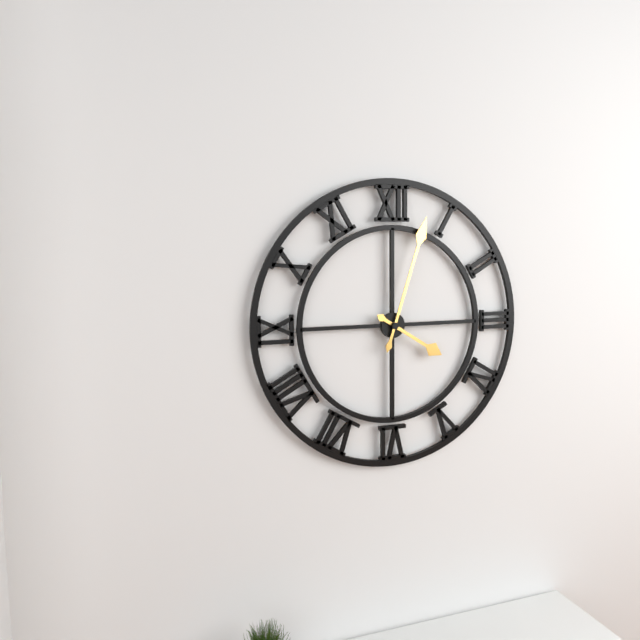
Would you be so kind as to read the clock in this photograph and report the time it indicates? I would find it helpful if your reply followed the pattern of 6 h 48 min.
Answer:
4 h 03 min
